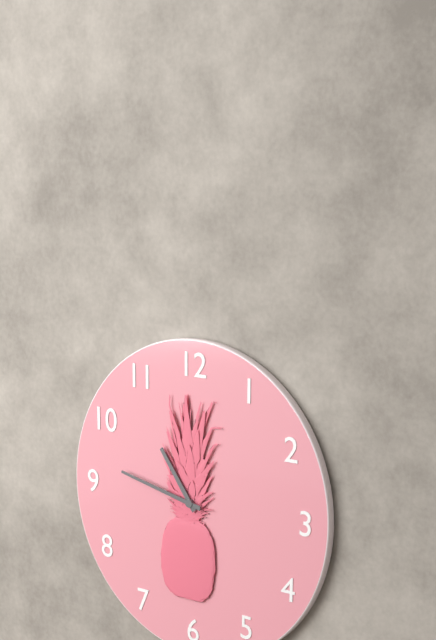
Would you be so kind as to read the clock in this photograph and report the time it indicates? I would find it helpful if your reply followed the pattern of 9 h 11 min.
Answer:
10 h 47 min
